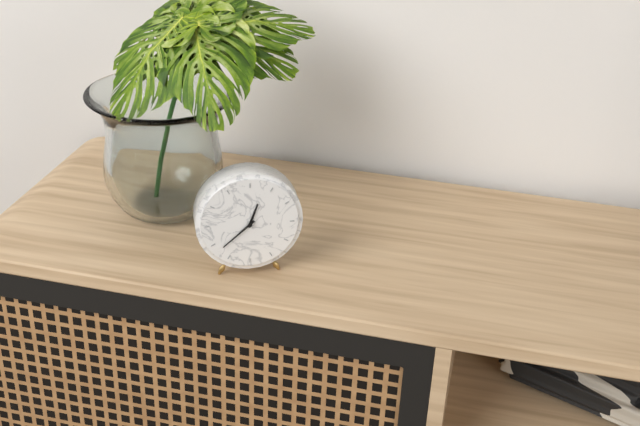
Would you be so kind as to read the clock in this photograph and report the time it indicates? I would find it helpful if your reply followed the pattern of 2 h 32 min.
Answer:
12 h 38 min
